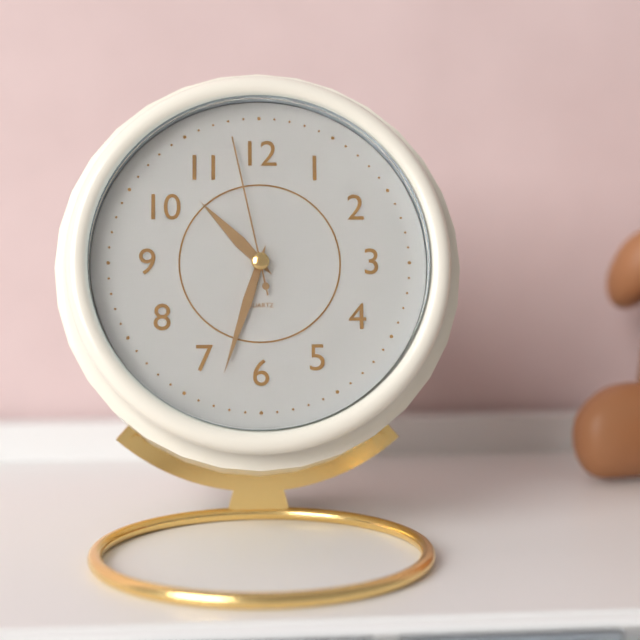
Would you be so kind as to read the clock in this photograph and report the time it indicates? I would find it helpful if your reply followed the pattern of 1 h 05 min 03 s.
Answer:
10 h 33 min 58 s
